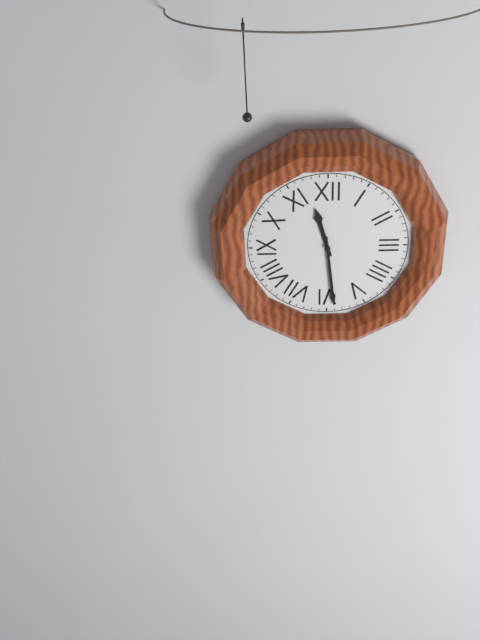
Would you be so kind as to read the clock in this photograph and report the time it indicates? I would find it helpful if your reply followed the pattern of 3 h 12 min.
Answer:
11 h 29 min
